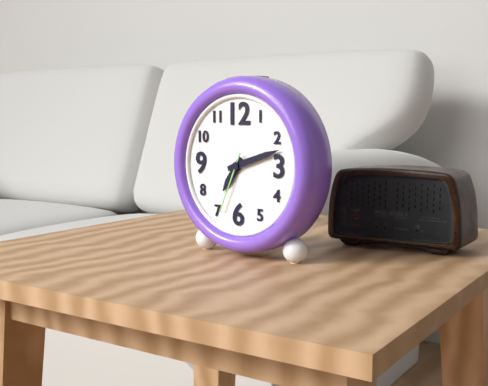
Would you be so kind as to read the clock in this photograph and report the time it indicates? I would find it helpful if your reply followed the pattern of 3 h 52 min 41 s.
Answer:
7 h 12 min 34 s
